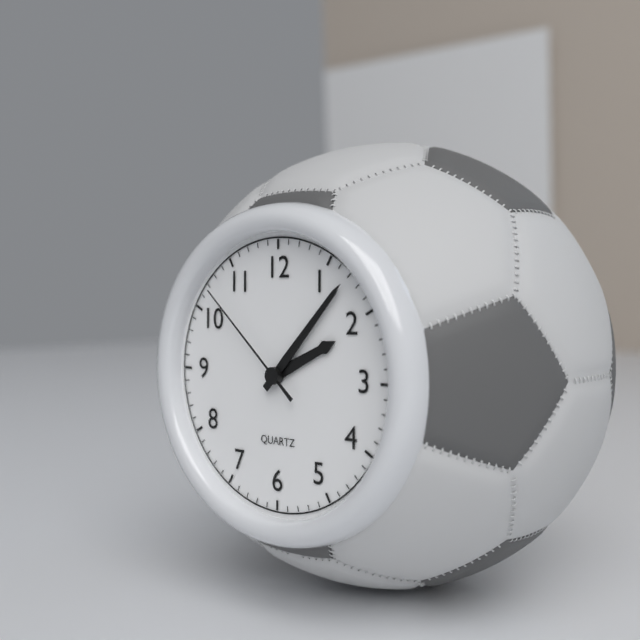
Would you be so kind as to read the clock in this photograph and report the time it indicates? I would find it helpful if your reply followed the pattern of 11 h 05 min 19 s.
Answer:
2 h 07 min 52 s
